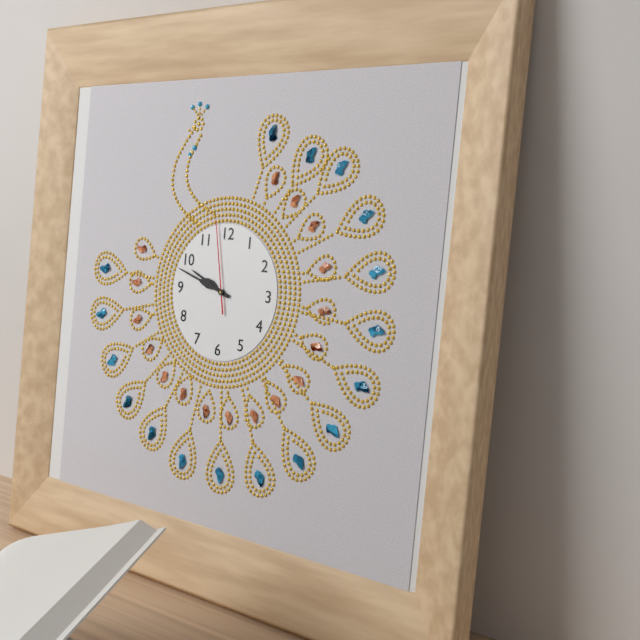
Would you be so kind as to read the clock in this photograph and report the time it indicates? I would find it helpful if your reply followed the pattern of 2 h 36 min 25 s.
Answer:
9 h 48 min 58 s
